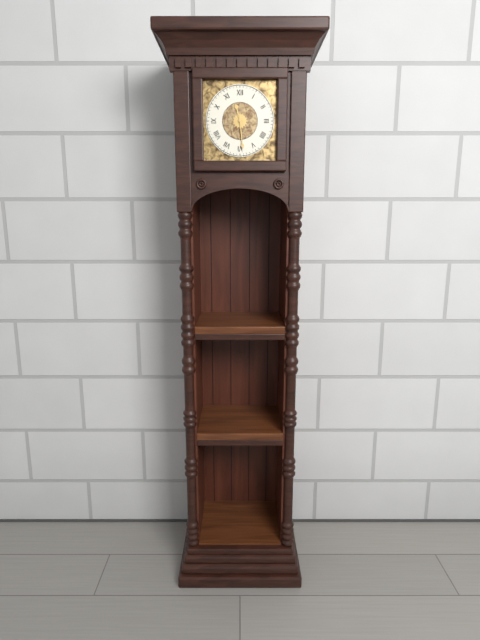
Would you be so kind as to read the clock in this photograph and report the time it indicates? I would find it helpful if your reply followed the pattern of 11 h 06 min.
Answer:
11 h 29 min
